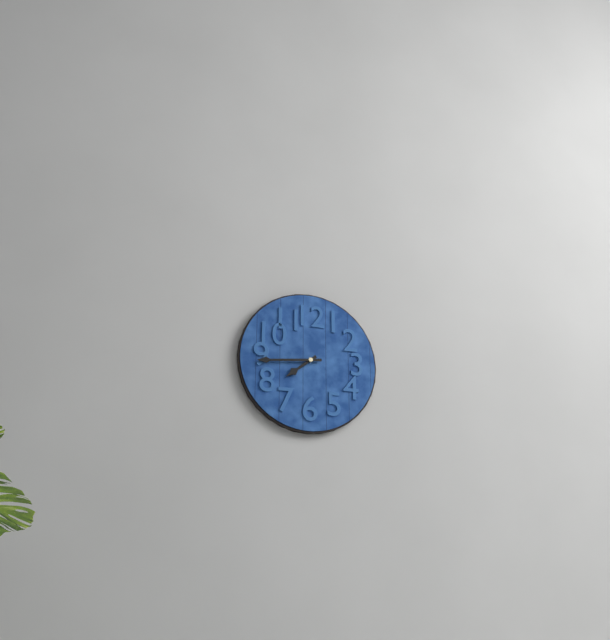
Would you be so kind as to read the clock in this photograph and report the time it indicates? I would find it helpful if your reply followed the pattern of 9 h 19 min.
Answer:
7 h 44 min
